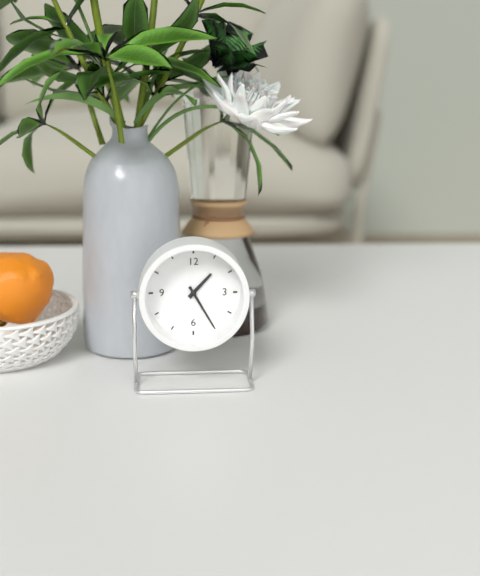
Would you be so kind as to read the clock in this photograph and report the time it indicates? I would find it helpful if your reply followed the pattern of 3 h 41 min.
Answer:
1 h 25 min
